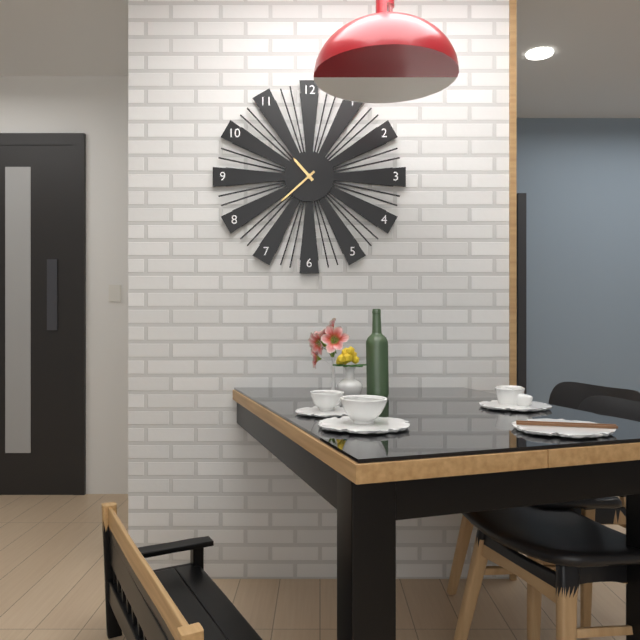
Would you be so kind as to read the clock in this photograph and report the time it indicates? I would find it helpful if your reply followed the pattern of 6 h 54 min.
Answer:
10 h 38 min
